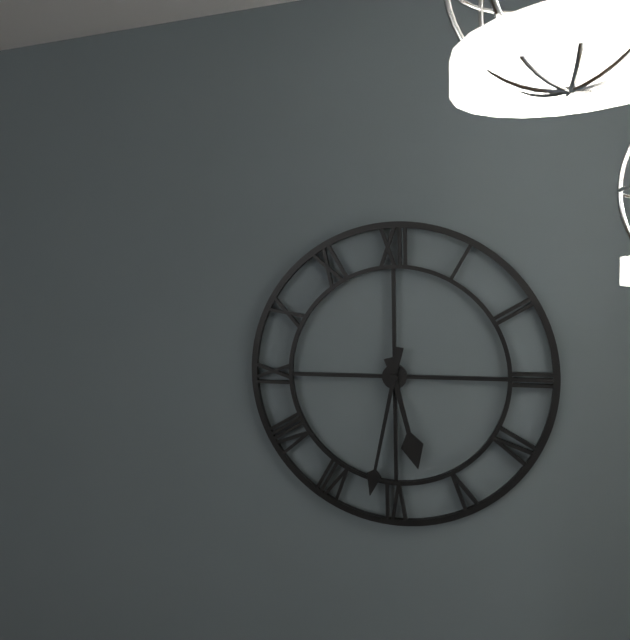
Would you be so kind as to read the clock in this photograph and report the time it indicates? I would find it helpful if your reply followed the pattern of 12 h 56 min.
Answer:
5 h 32 min
